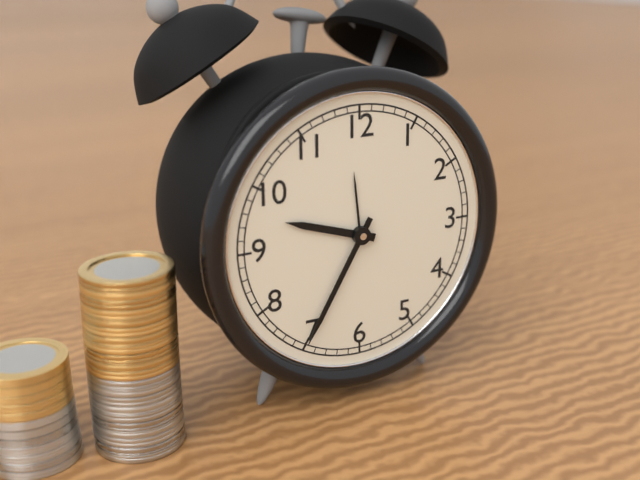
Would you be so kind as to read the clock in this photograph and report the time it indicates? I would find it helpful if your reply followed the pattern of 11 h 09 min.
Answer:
9 h 35 min
